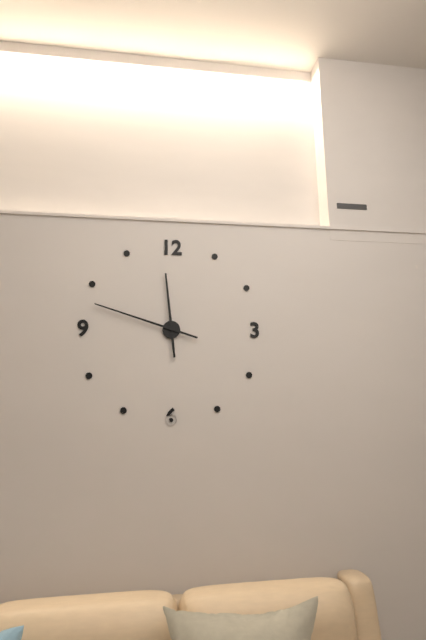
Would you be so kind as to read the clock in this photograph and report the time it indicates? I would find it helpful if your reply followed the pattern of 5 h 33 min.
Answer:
11 h 48 min
